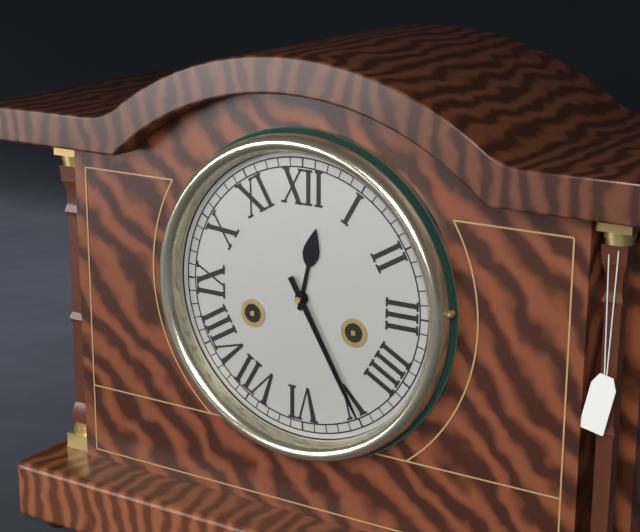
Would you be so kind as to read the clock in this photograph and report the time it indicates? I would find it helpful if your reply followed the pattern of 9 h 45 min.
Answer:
12 h 25 min
